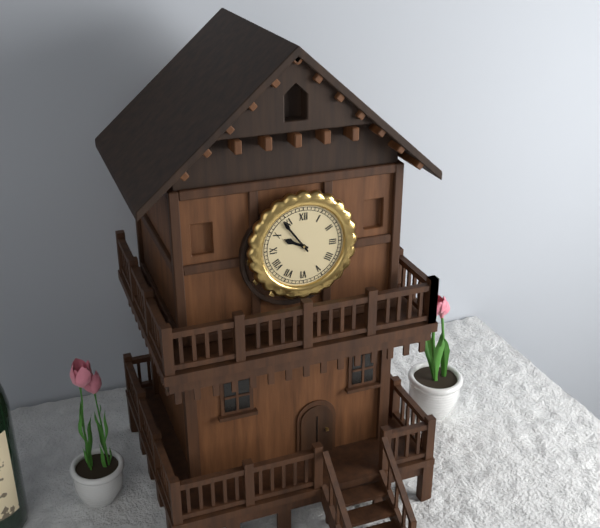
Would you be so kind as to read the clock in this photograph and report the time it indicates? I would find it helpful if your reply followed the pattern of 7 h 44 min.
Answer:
9 h 54 min
